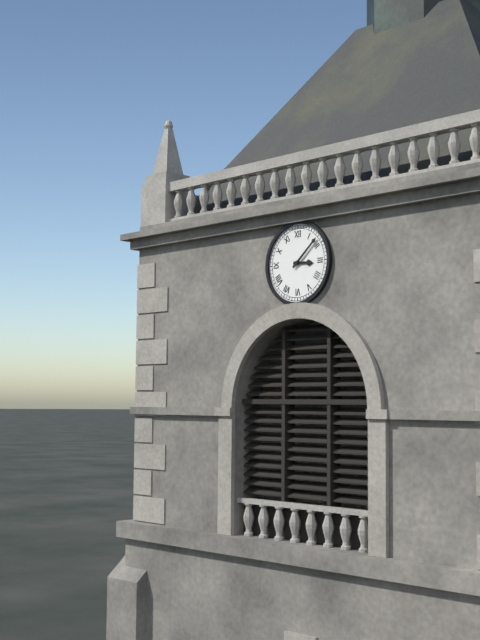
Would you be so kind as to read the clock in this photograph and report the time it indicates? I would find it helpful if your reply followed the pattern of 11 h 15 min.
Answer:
3 h 08 min
